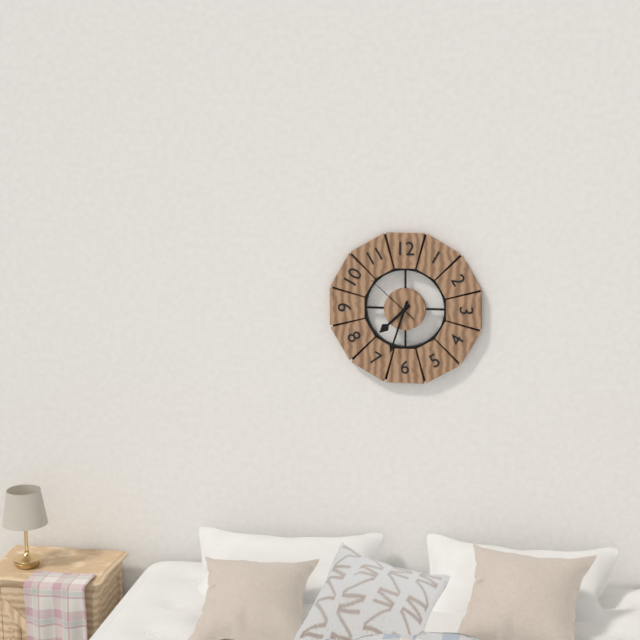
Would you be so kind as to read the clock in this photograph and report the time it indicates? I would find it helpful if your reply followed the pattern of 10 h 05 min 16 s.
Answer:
7 h 33 min 52 s
